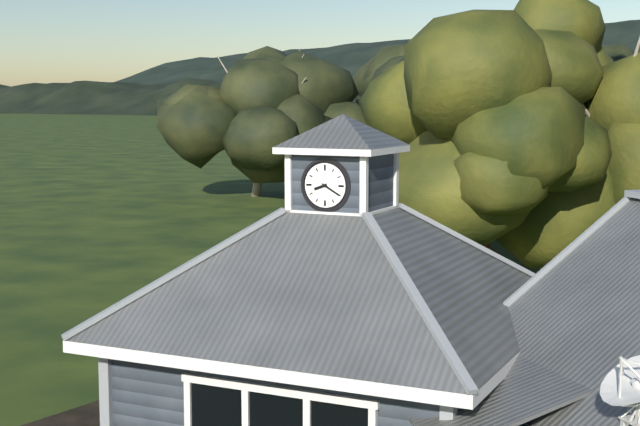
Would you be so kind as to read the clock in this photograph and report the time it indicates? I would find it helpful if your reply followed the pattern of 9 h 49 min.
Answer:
8 h 20 min
